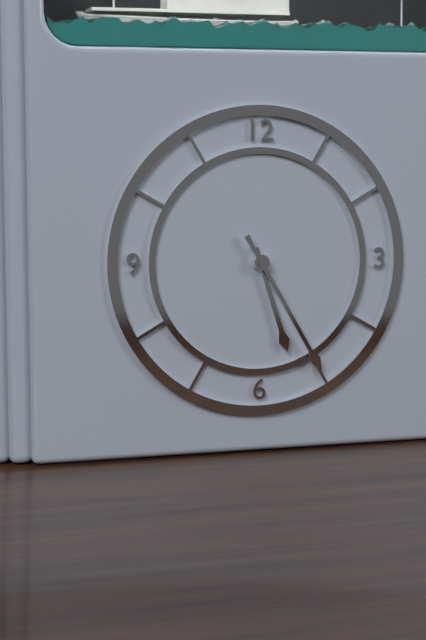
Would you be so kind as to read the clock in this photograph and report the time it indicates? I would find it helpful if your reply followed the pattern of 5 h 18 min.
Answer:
5 h 25 min
